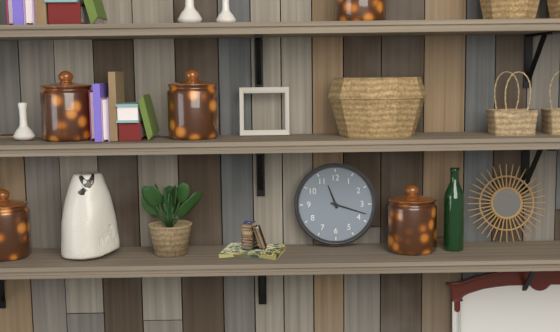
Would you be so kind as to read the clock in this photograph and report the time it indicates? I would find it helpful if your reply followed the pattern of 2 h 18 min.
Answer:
11 h 18 min
